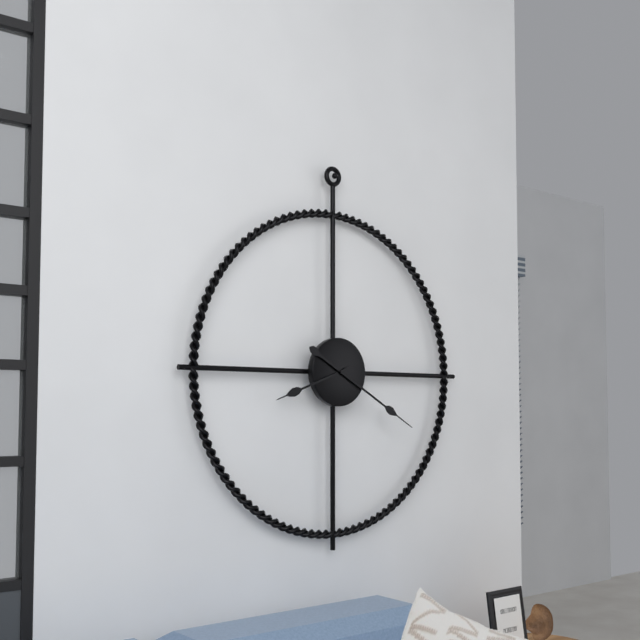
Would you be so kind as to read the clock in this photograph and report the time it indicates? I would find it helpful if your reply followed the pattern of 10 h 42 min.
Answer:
8 h 20 min
